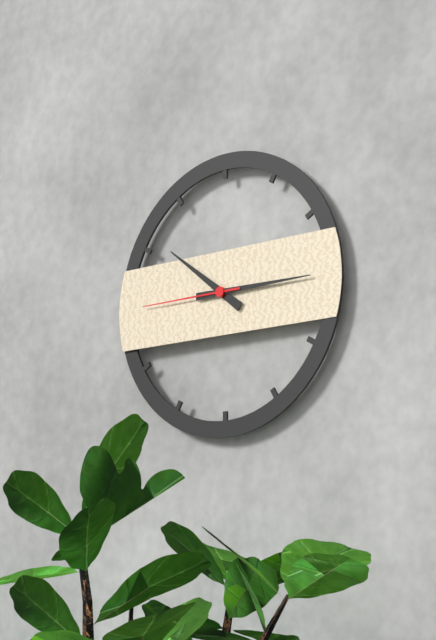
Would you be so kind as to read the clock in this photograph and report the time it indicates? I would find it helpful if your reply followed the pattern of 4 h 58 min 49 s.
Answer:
10 h 15 min 45 s
